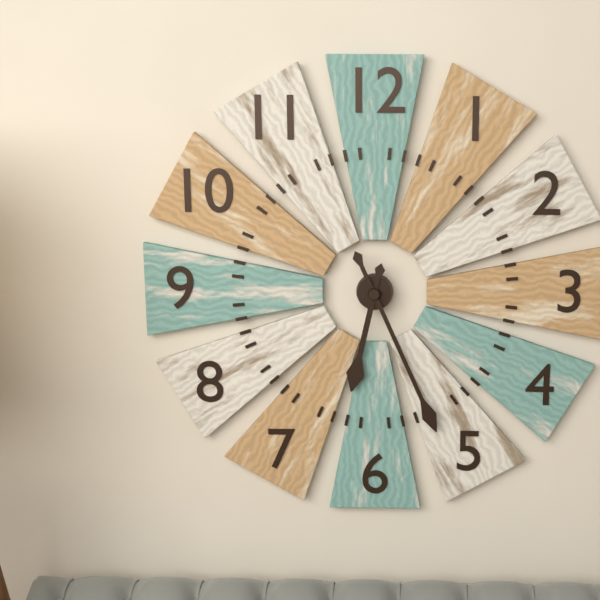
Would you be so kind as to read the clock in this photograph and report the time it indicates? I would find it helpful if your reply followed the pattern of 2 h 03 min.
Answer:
6 h 26 min
